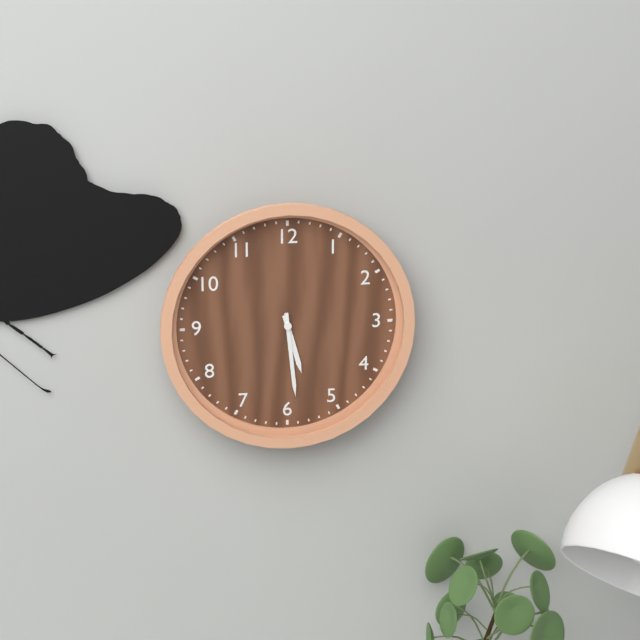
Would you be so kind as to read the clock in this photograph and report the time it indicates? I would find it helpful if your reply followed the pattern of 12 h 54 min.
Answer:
5 h 29 min
